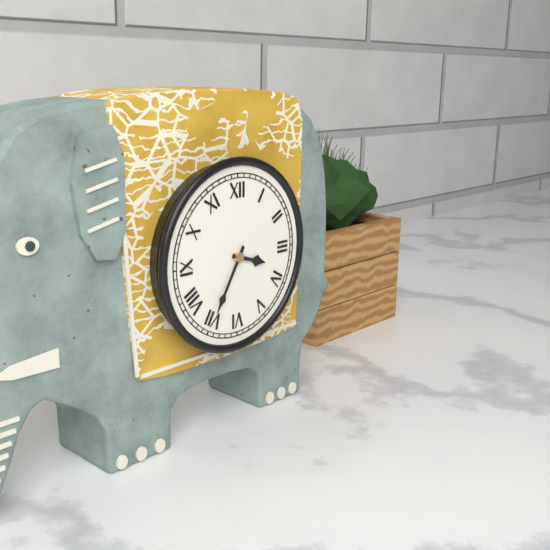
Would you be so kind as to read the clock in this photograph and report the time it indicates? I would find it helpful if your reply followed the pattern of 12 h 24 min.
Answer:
3 h 35 min
